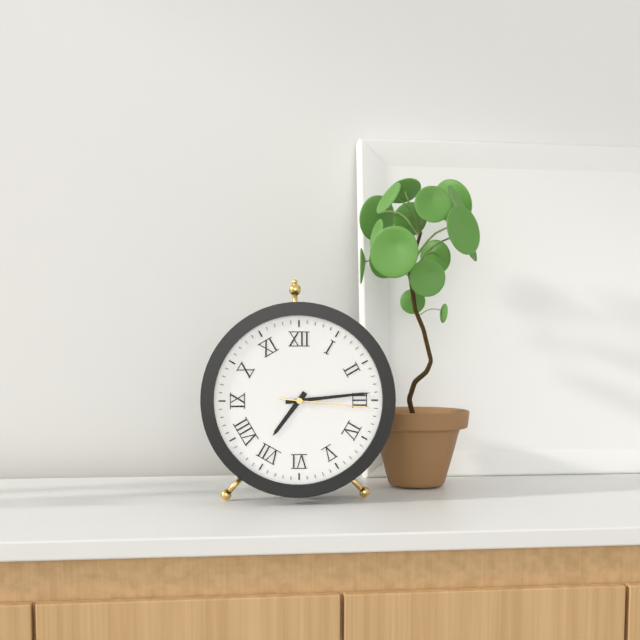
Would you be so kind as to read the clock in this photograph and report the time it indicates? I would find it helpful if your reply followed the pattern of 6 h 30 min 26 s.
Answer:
7 h 14 min 16 s
